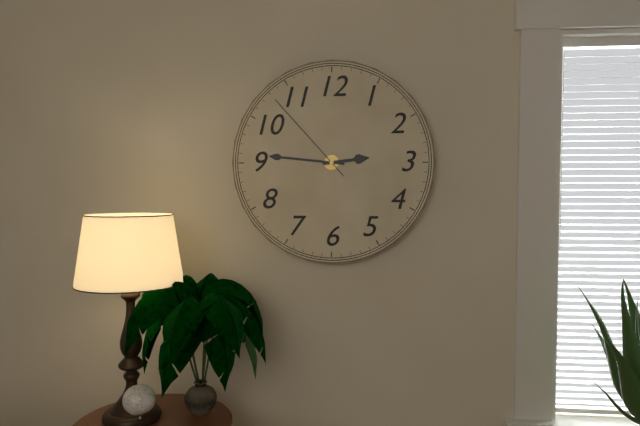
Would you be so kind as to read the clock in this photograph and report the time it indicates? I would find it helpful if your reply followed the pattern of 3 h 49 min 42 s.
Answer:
2 h 46 min 53 s
